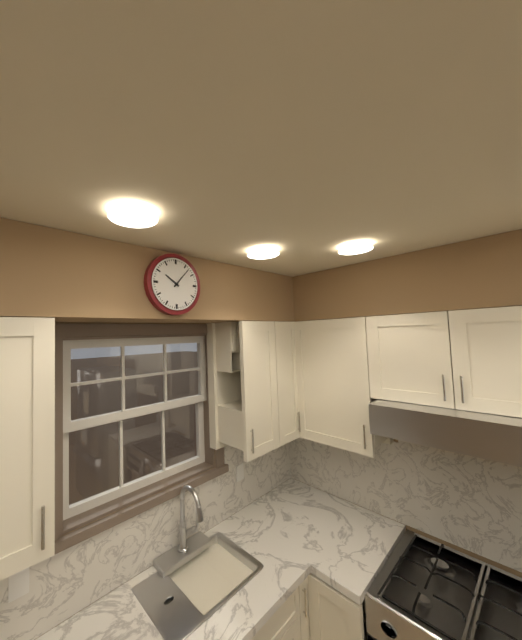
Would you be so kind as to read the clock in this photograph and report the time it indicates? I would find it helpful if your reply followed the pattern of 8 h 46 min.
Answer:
10 h 07 min
